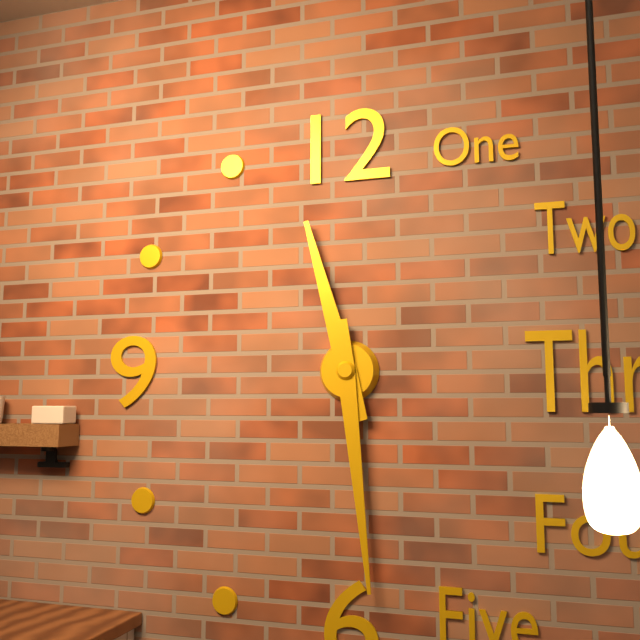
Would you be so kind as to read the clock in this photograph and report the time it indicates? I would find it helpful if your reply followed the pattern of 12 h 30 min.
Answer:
11 h 29 min
